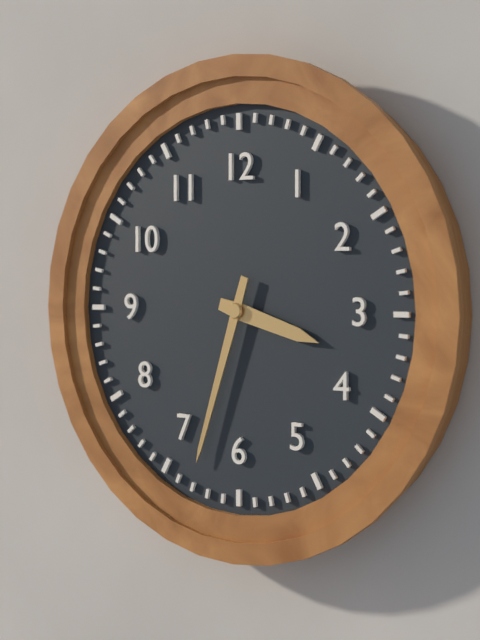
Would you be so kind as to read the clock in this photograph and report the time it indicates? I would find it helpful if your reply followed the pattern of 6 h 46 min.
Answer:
3 h 33 min
